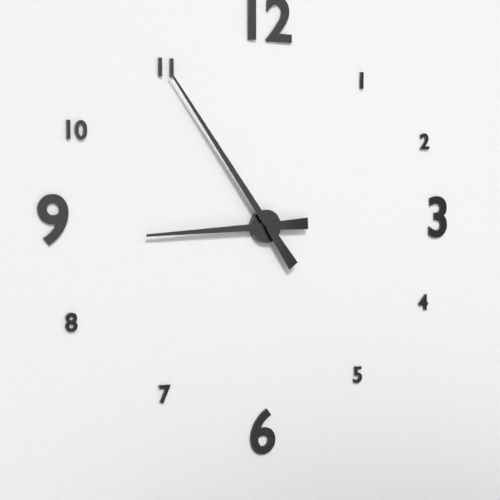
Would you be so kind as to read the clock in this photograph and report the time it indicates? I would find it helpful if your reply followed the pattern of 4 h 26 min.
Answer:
8 h 54 min
